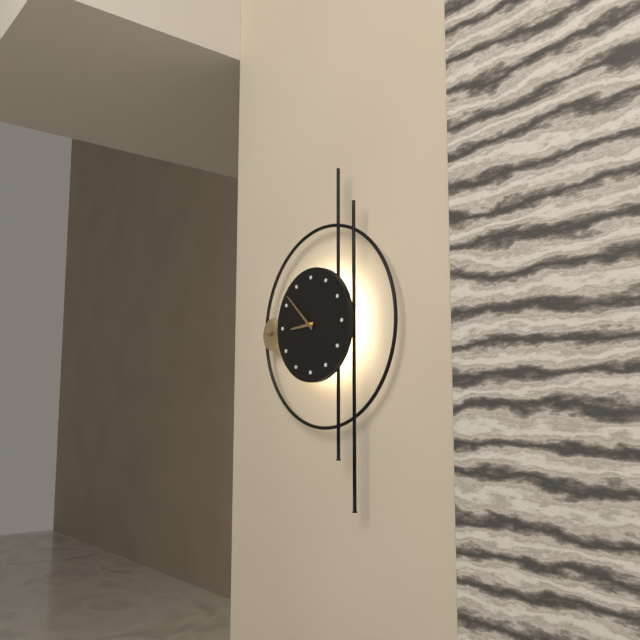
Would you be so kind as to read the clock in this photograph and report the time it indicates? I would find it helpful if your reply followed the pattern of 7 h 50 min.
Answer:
8 h 52 min
